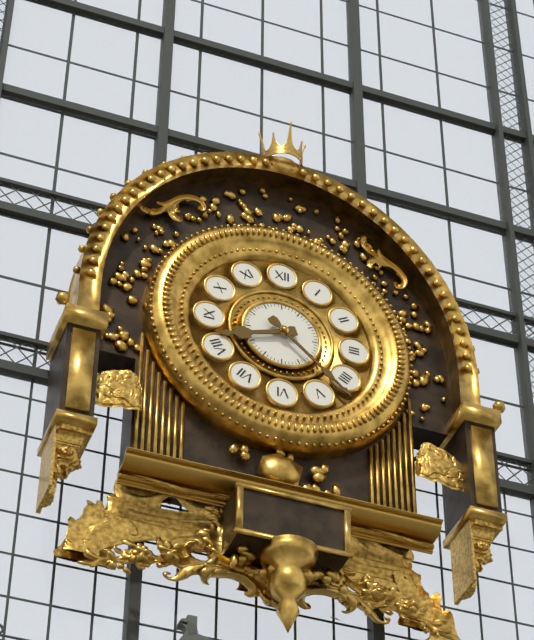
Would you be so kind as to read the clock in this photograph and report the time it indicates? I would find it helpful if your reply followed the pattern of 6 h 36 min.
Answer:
8 h 22 min
